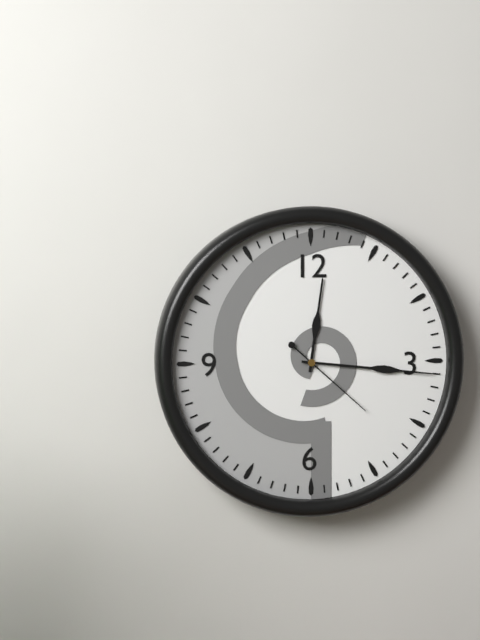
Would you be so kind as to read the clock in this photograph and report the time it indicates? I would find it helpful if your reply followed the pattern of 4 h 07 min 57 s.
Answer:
12 h 16 min 22 s
